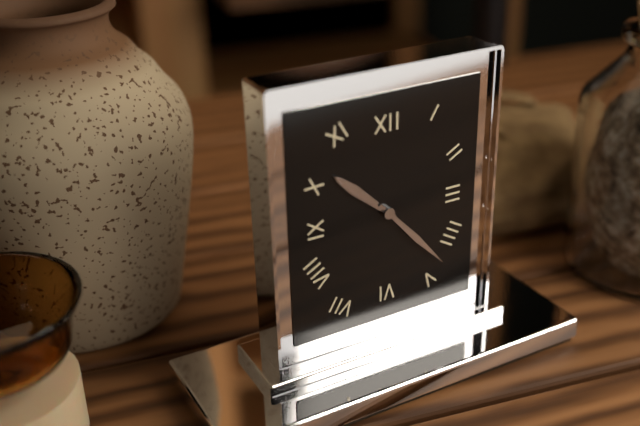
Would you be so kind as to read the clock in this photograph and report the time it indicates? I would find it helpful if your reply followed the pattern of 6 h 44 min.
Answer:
10 h 23 min
